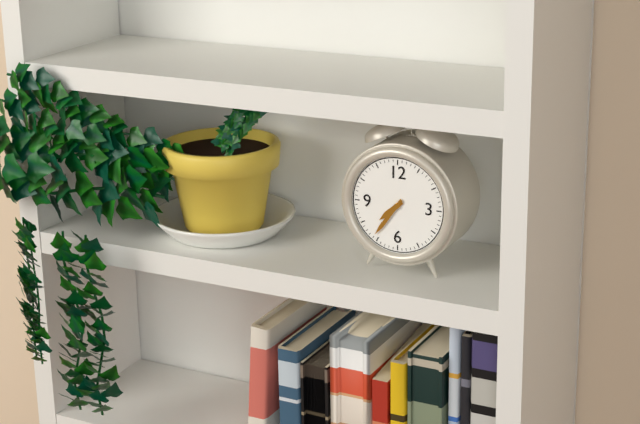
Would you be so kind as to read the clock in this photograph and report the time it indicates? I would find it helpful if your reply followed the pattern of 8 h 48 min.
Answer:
7 h 36 min
